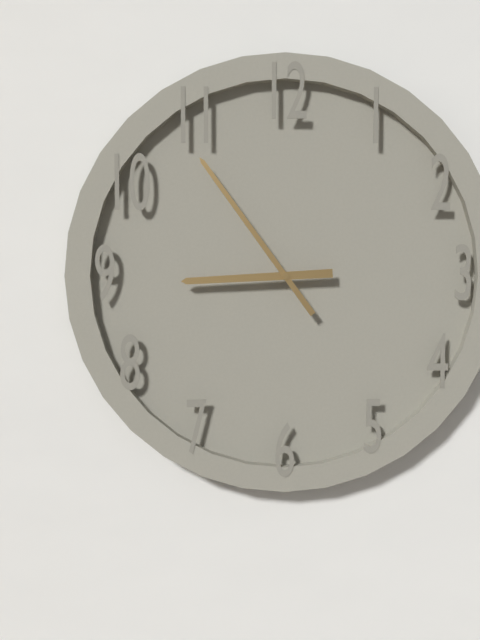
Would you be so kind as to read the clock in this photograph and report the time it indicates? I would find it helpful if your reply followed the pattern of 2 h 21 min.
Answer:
8 h 54 min
